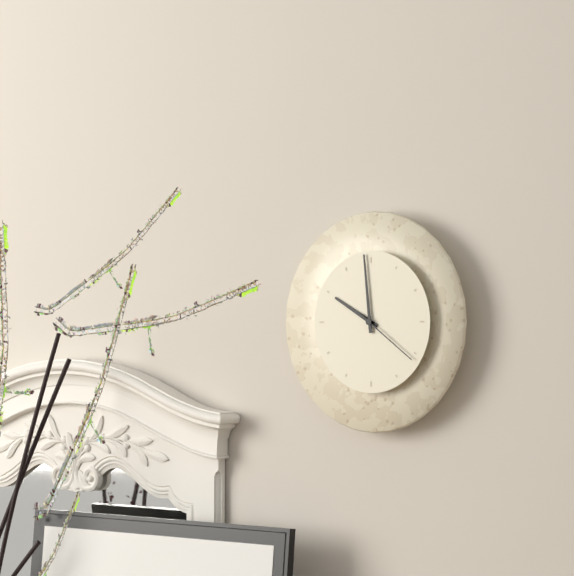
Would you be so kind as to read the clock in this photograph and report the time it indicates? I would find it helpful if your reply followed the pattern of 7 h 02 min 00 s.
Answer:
9 h 59 min 21 s
